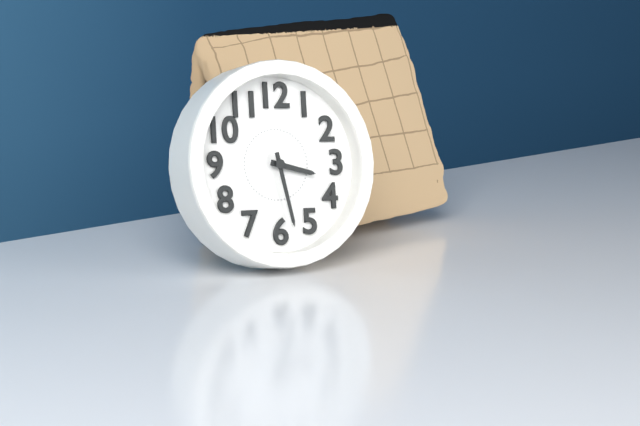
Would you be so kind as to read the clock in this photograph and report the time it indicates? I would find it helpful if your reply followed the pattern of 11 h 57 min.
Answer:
3 h 28 min
